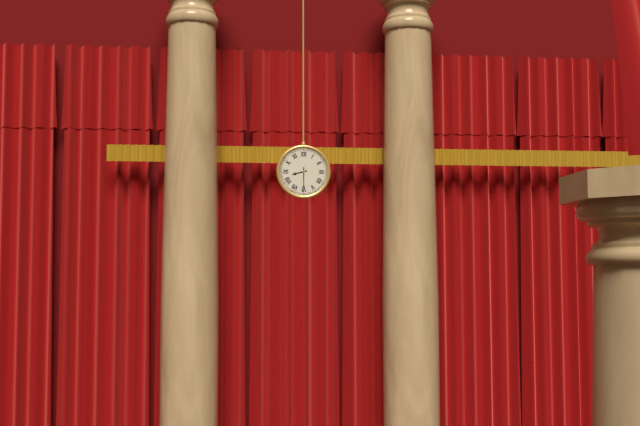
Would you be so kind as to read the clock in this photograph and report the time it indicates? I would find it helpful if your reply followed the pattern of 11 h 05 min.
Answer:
8 h 30 min
